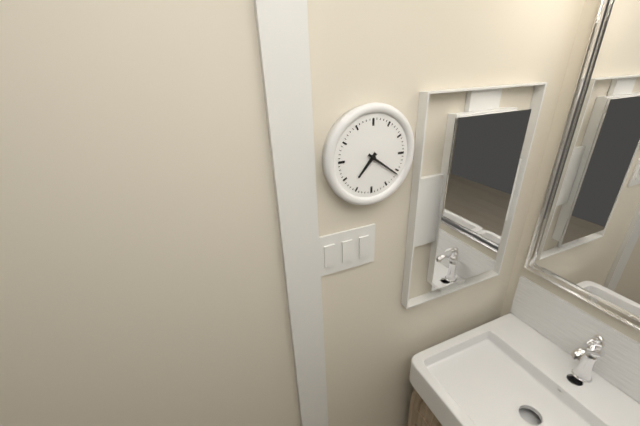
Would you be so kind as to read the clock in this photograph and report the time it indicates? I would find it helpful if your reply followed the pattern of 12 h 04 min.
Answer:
7 h 21 min
